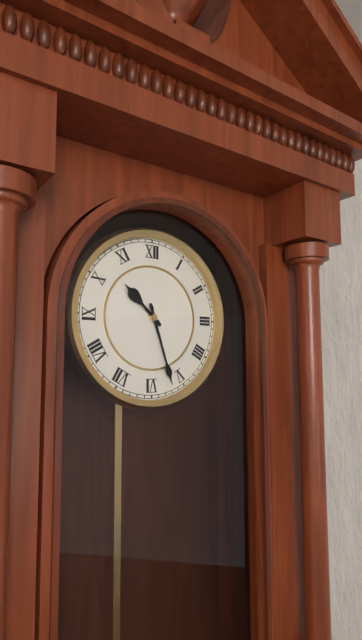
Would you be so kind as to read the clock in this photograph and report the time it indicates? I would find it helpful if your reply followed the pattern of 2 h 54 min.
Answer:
10 h 27 min
